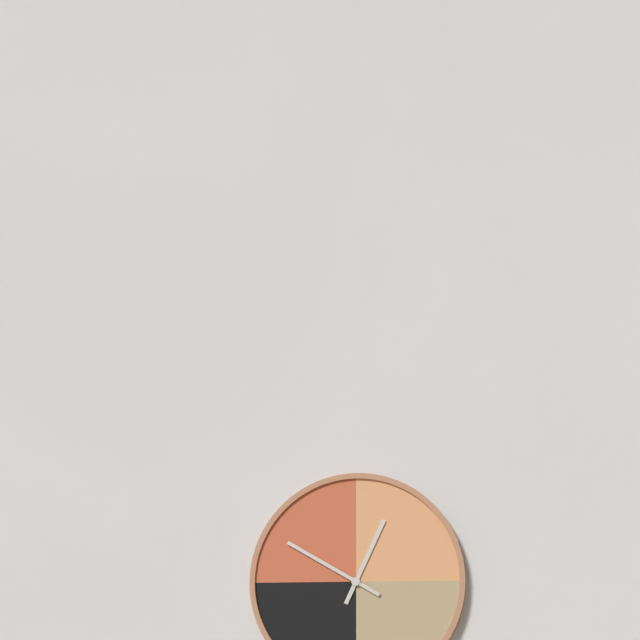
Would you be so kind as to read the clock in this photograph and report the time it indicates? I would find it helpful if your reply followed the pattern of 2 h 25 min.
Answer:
12 h 50 min
